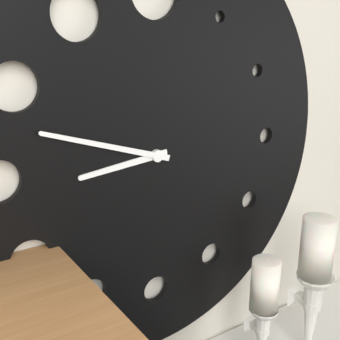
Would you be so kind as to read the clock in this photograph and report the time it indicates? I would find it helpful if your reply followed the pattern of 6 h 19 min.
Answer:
8 h 48 min
